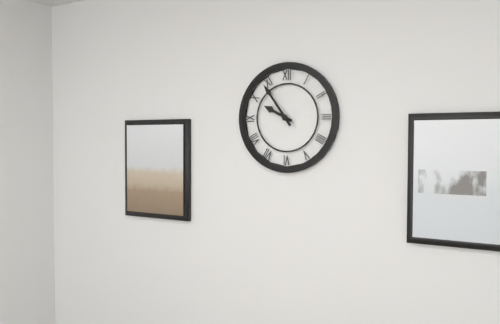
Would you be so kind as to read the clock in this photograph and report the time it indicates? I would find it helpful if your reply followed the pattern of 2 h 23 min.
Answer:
9 h 54 min
